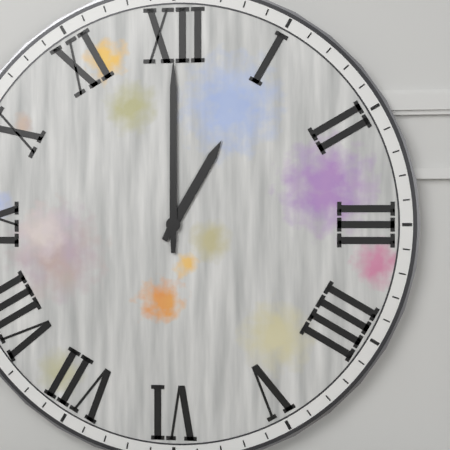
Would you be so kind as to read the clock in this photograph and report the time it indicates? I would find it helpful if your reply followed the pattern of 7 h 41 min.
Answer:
1 h 00 min
